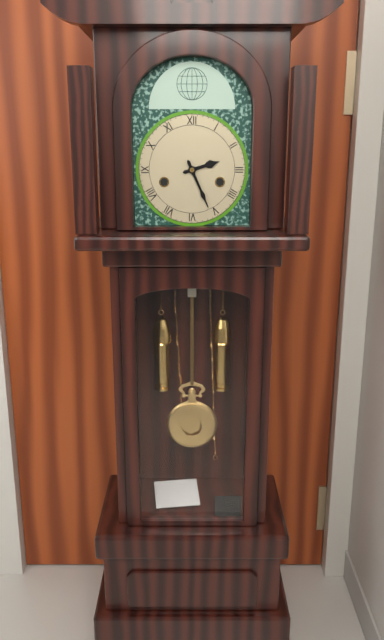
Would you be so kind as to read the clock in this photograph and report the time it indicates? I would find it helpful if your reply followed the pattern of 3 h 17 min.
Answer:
2 h 26 min
